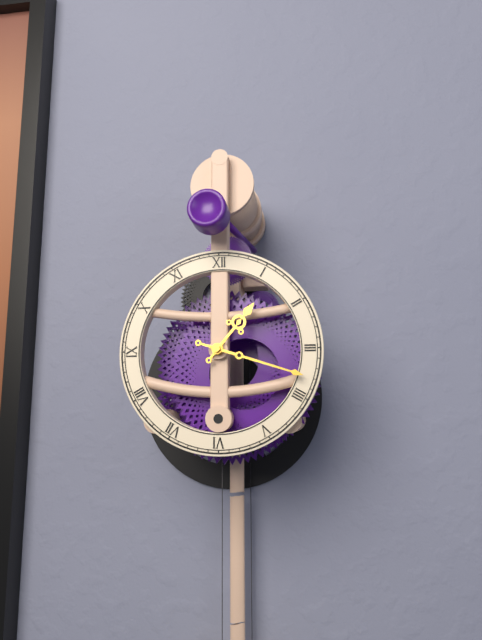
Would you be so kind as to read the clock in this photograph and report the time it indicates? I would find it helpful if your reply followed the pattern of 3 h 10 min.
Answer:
1 h 18 min
